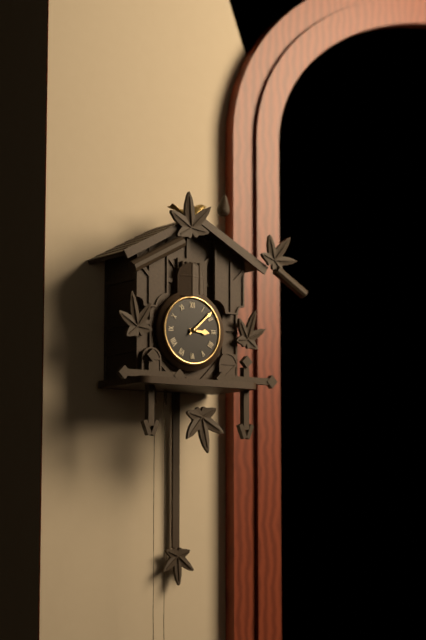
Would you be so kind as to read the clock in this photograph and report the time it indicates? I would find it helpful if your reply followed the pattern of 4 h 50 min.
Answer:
3 h 08 min
